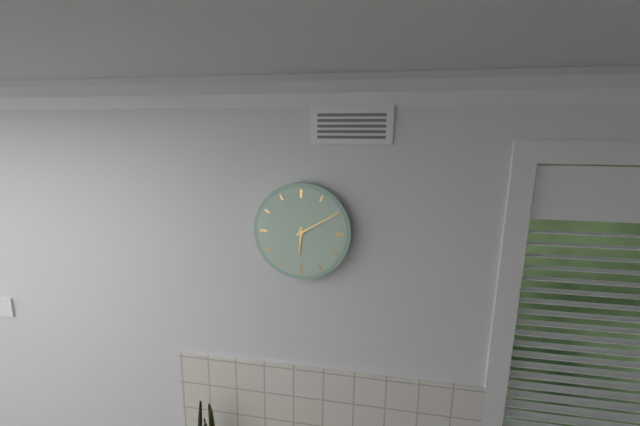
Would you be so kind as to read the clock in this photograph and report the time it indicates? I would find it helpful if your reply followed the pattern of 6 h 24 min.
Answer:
6 h 10 min
